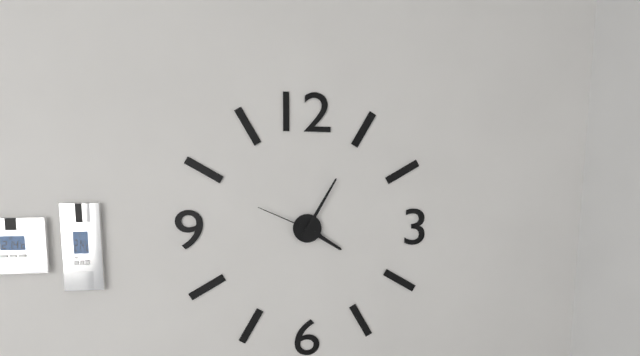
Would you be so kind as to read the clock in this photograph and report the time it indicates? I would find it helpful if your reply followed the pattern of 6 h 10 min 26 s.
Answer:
4 h 05 min 49 s
